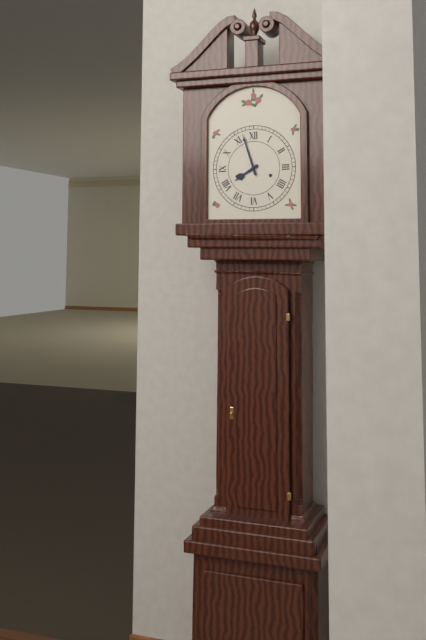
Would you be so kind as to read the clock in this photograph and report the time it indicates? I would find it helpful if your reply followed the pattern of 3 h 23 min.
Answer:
7 h 57 min
